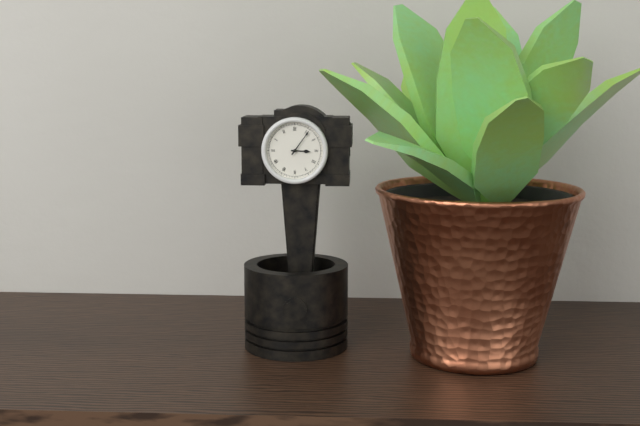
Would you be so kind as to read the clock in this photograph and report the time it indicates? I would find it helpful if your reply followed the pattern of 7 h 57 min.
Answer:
3 h 06 min
